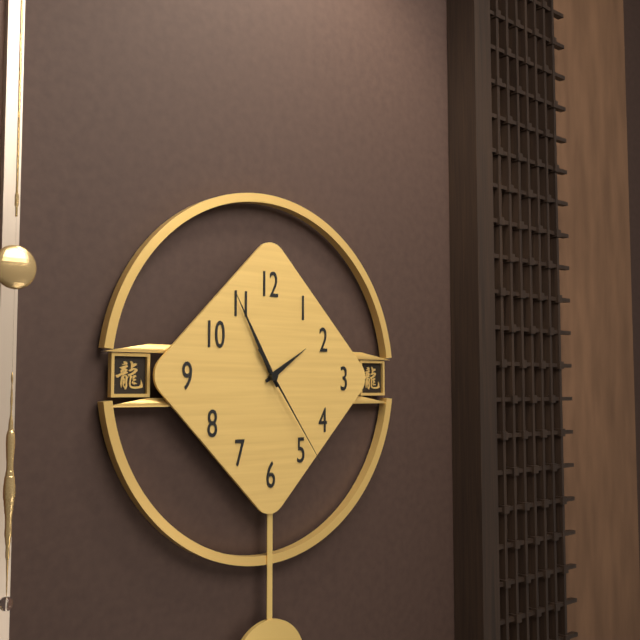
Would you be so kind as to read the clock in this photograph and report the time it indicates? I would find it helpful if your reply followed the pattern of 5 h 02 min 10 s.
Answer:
1 h 55 min 24 s
